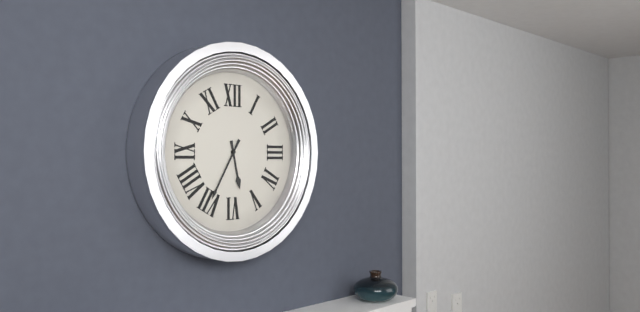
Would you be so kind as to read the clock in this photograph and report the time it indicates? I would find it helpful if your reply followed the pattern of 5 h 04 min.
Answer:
5 h 35 min
